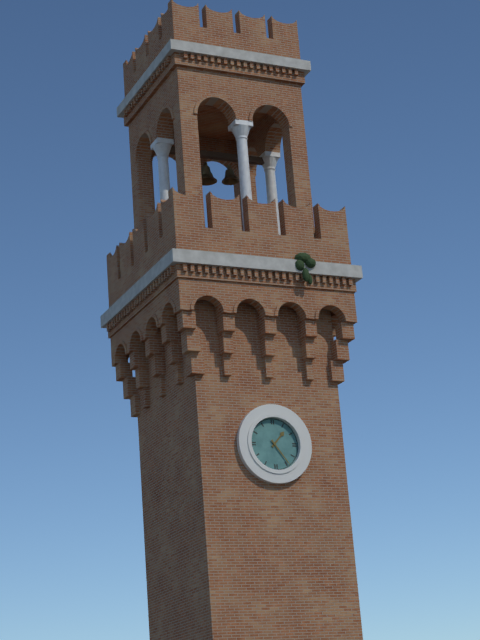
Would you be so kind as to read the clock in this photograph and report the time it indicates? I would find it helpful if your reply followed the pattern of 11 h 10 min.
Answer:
1 h 24 min
